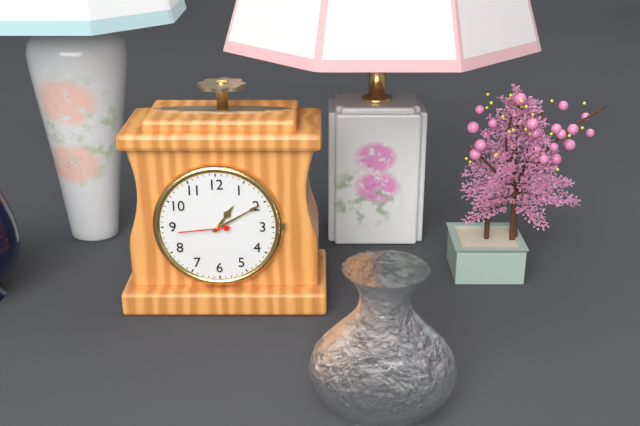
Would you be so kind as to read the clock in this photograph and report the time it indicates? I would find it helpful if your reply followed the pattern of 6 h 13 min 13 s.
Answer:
1 h 10 min 44 s
